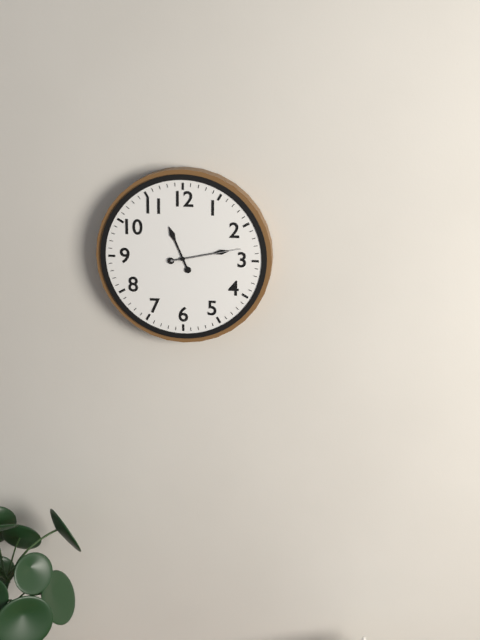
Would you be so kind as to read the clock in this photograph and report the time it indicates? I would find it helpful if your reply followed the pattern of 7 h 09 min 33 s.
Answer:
11 h 13 min 13 s
